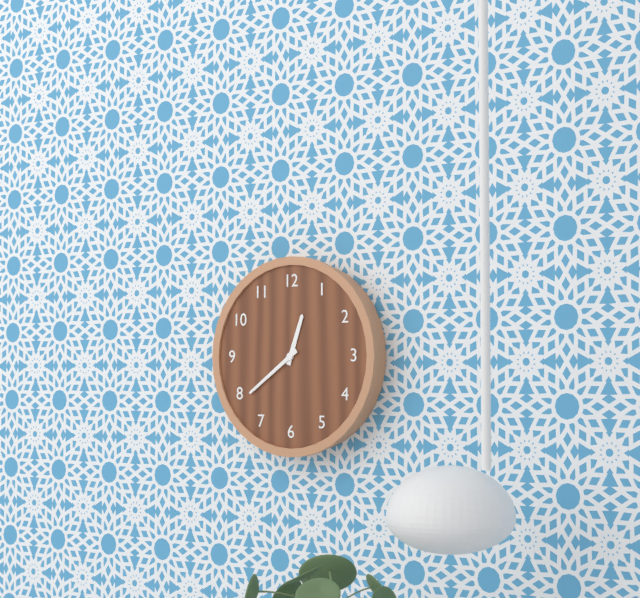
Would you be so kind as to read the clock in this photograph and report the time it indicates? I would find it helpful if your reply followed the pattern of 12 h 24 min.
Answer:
12 h 39 min
